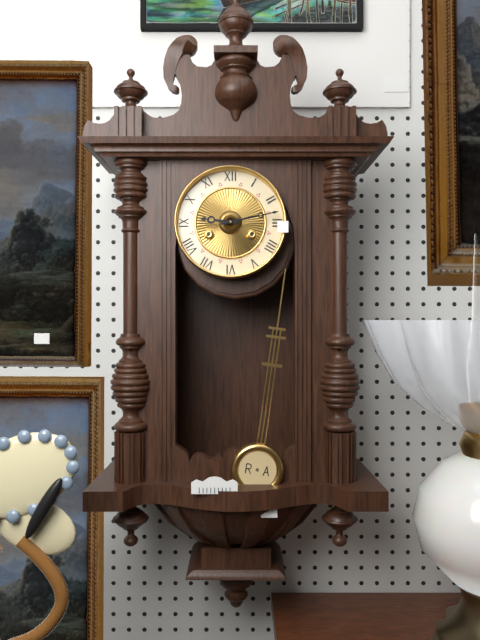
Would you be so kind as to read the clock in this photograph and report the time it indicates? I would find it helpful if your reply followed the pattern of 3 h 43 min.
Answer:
9 h 13 min
